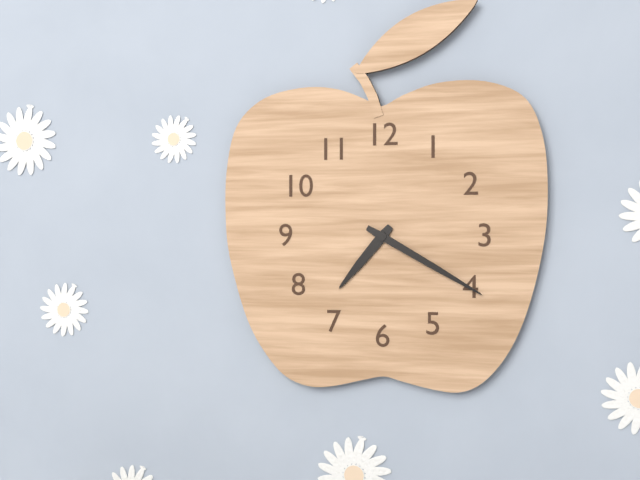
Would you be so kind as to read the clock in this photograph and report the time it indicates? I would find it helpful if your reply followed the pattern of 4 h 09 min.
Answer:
7 h 20 min
